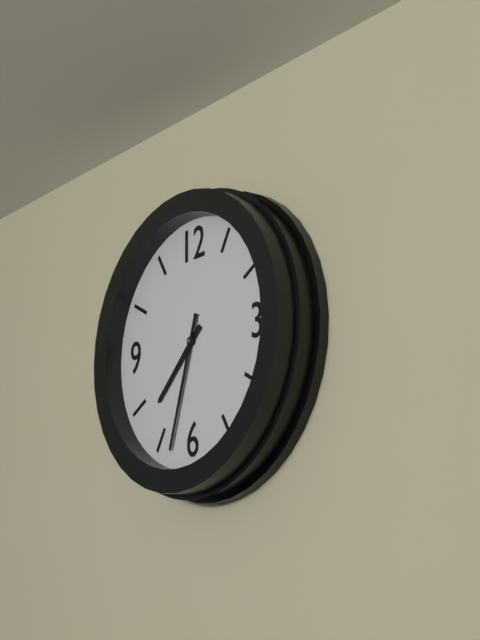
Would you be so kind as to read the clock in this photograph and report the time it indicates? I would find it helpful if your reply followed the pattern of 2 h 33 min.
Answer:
7 h 33 min
